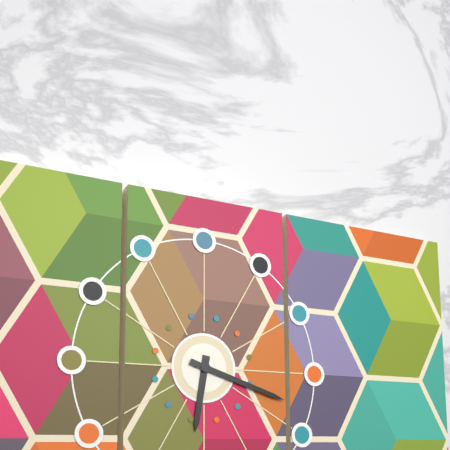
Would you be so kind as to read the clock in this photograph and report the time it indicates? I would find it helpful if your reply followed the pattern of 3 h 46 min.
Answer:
6 h 18 min
